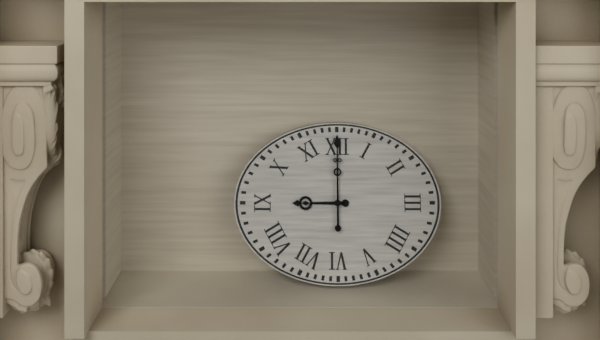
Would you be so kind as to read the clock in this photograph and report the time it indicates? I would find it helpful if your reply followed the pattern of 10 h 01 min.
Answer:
9 h 00 min
